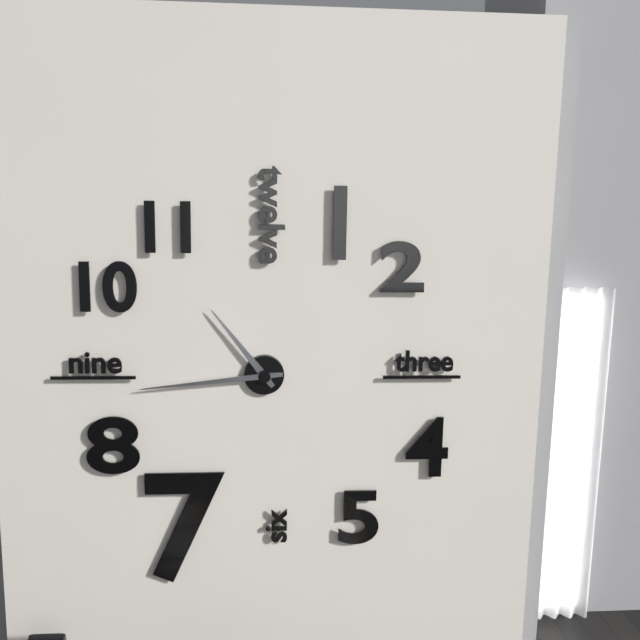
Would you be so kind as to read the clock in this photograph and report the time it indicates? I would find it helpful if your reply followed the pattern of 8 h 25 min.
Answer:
10 h 44 min
